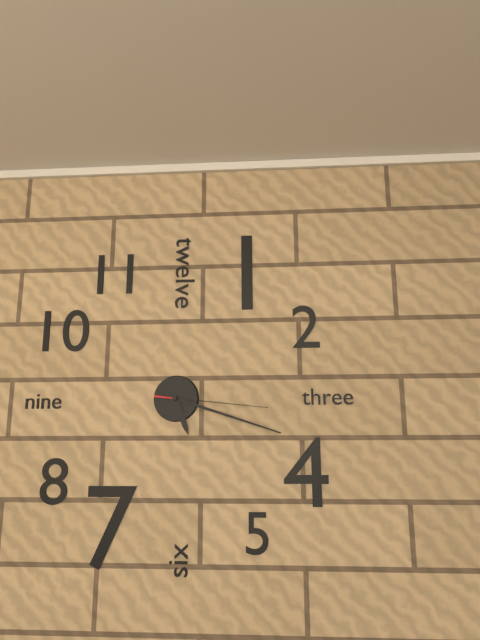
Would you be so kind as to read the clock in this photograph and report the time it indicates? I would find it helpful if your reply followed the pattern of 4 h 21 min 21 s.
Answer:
5 h 18 min 16 s
